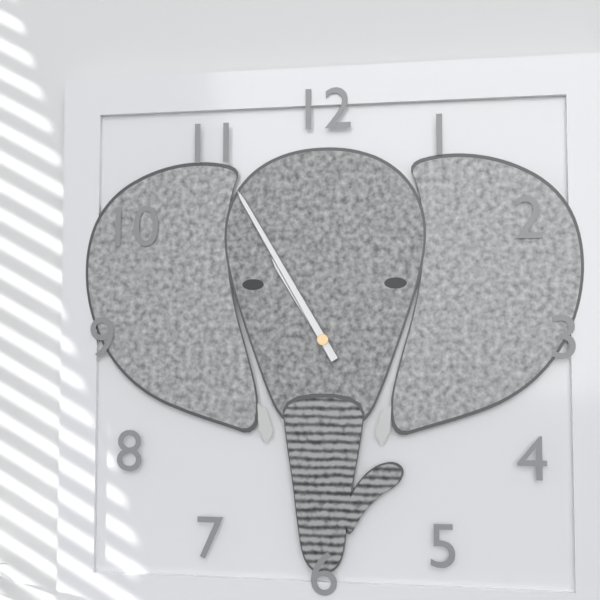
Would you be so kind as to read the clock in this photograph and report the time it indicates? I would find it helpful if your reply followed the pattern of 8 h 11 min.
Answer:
10 h 55 min
